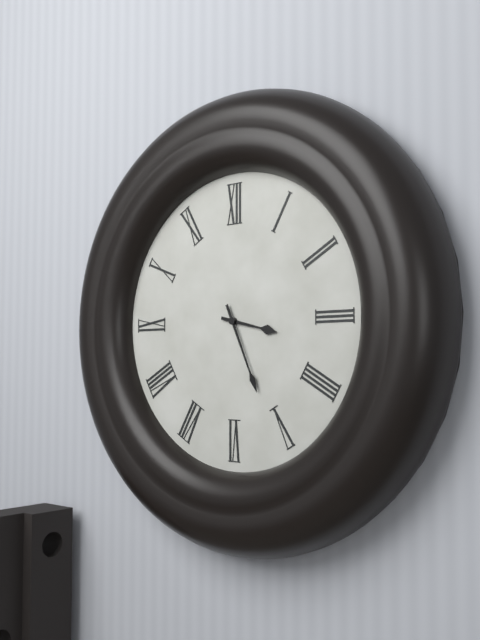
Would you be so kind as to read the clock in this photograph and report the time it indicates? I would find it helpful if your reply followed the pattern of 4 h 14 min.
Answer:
3 h 26 min
